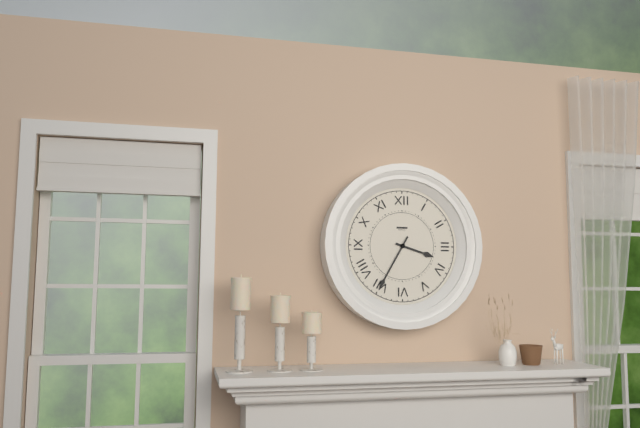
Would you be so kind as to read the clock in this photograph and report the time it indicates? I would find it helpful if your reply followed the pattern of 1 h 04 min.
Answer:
3 h 35 min
